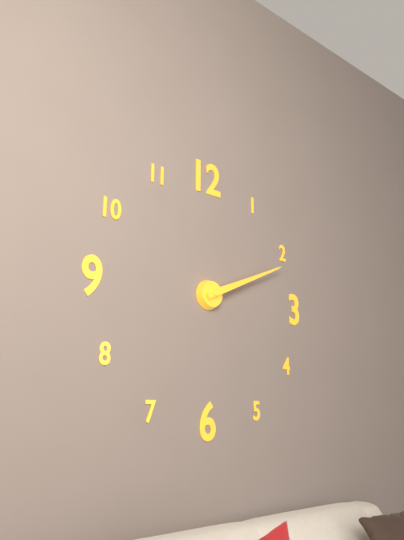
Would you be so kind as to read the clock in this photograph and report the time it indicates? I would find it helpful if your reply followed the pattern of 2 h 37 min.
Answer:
2 h 11 min
